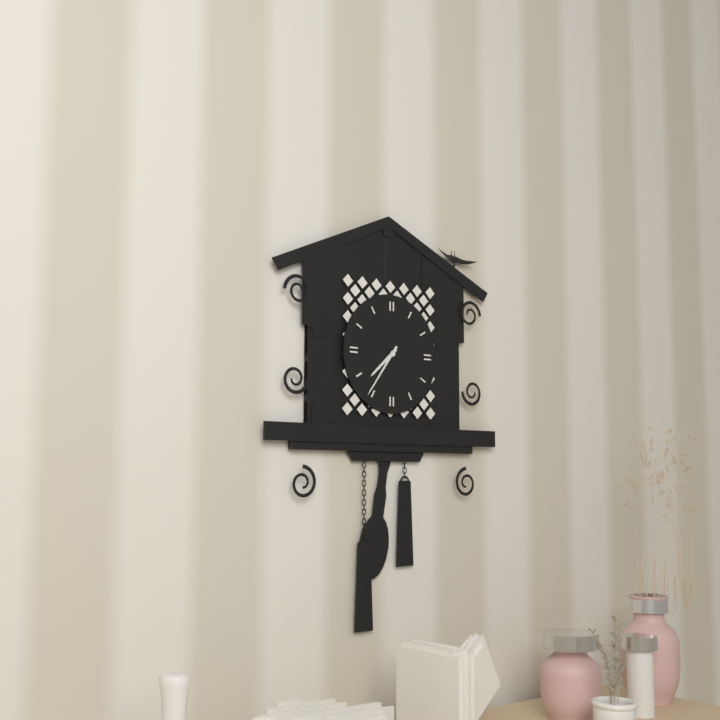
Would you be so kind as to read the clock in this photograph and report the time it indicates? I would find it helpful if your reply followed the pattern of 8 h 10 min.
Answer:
7 h 36 min
